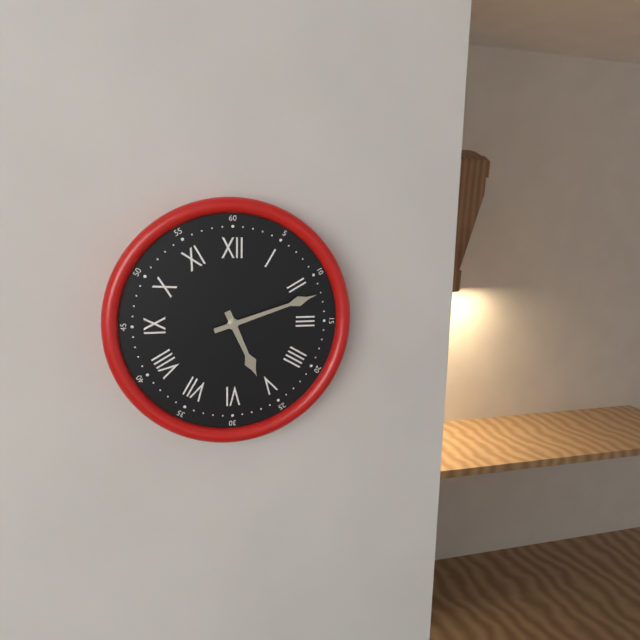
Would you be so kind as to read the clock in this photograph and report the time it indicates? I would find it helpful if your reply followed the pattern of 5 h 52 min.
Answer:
5 h 12 min
